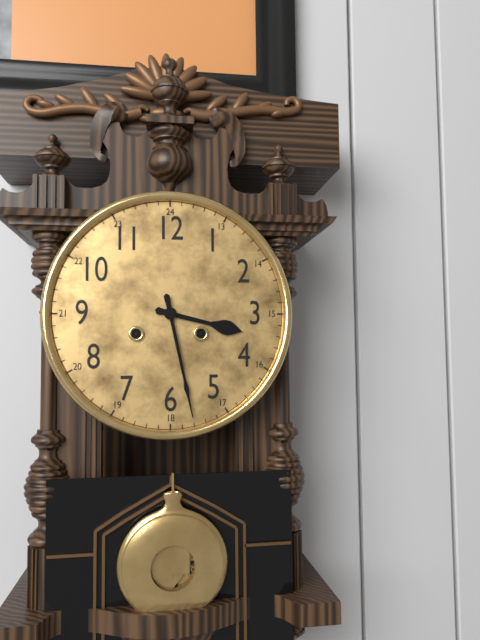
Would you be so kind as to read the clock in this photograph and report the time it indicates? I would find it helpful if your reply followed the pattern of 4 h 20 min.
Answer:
3 h 28 min
